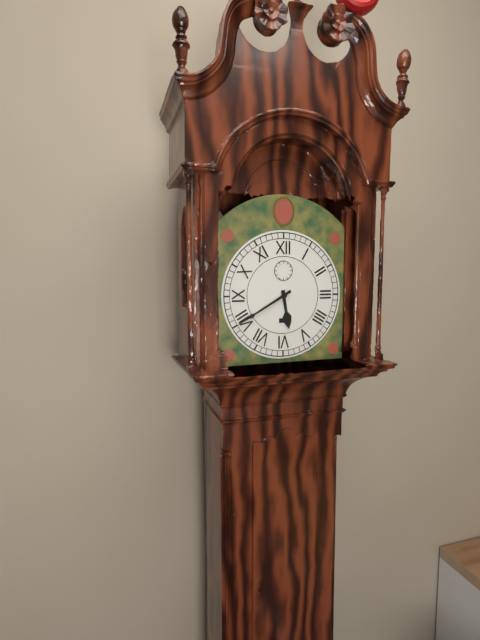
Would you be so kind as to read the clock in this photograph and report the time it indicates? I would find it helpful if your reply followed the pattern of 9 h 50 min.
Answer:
5 h 40 min
